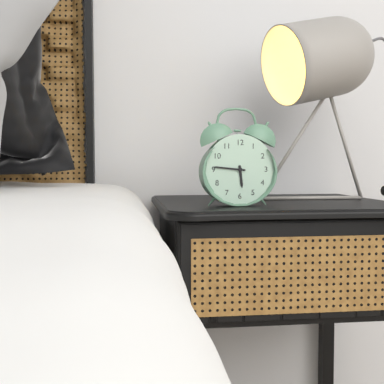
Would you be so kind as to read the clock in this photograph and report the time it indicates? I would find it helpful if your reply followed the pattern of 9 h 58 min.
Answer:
5 h 46 min
